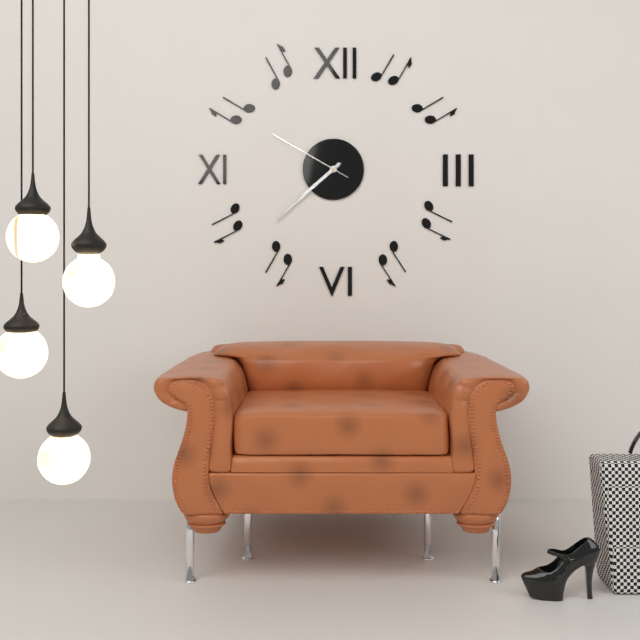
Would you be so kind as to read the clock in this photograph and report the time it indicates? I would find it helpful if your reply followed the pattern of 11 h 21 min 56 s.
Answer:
7 h 38 min 50 s
